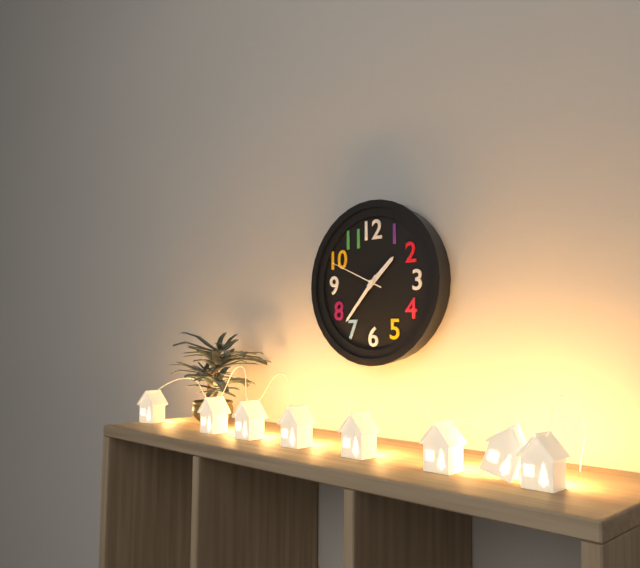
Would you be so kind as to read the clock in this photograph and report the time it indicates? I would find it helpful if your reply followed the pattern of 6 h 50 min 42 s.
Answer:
1 h 37 min 49 s
